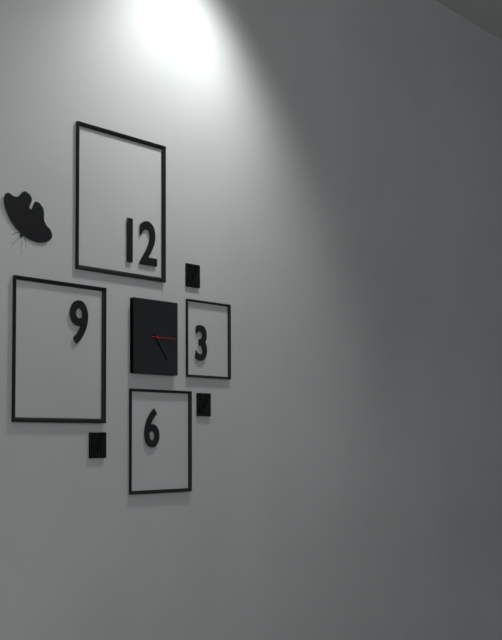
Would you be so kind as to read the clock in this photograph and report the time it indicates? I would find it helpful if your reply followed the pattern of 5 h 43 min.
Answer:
2 h 23 min
